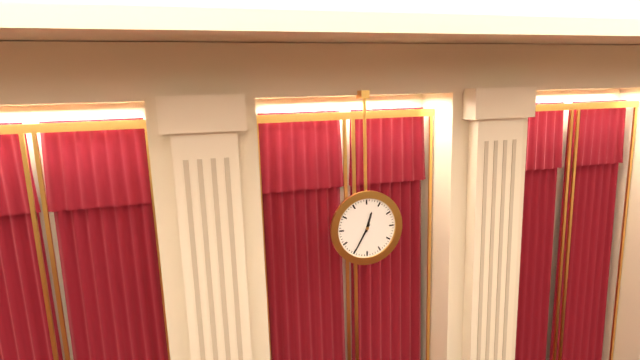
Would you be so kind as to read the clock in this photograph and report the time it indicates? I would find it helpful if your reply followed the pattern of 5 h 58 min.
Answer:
12 h 35 min
